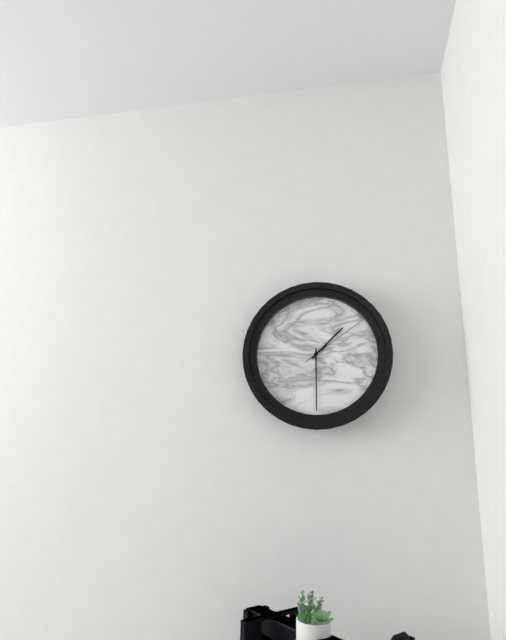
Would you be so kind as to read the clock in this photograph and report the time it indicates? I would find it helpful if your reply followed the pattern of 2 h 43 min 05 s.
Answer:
1 h 30 min 09 s
